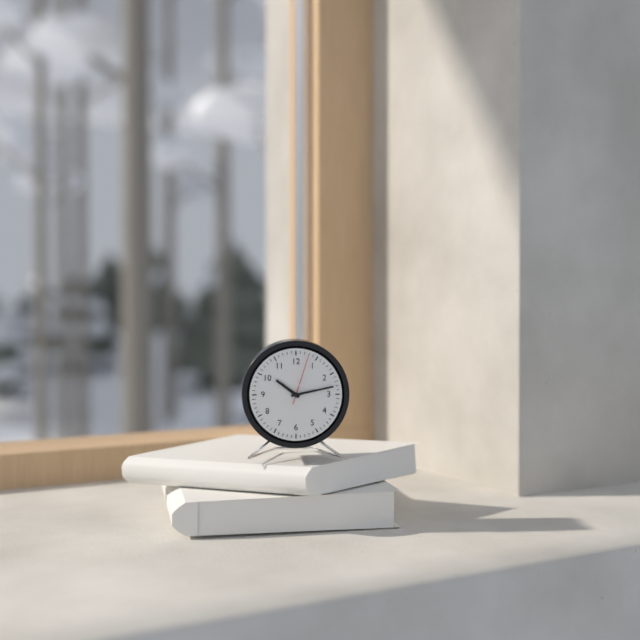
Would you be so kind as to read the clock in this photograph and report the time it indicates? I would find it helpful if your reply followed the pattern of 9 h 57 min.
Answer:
10 h 13 min
